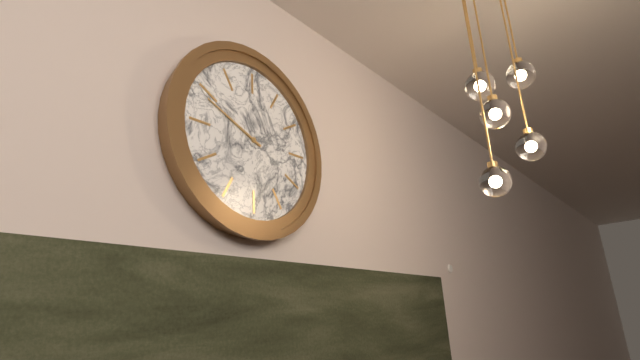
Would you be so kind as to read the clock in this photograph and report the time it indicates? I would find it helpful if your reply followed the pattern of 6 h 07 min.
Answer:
9 h 49 min
